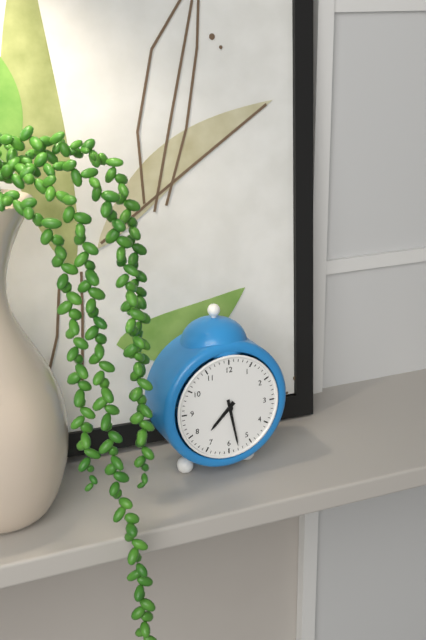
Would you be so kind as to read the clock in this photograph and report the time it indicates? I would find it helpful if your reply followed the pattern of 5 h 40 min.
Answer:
7 h 28 min
